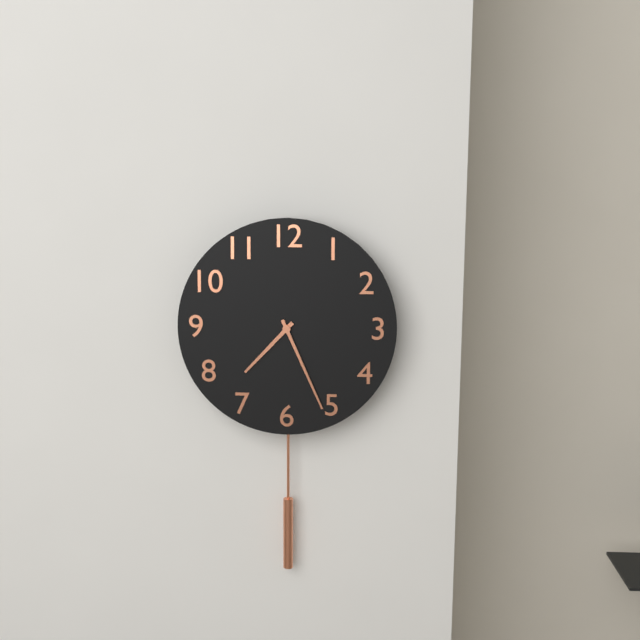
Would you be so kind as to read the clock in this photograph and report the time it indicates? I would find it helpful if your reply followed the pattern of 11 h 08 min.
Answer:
7 h 26 min
